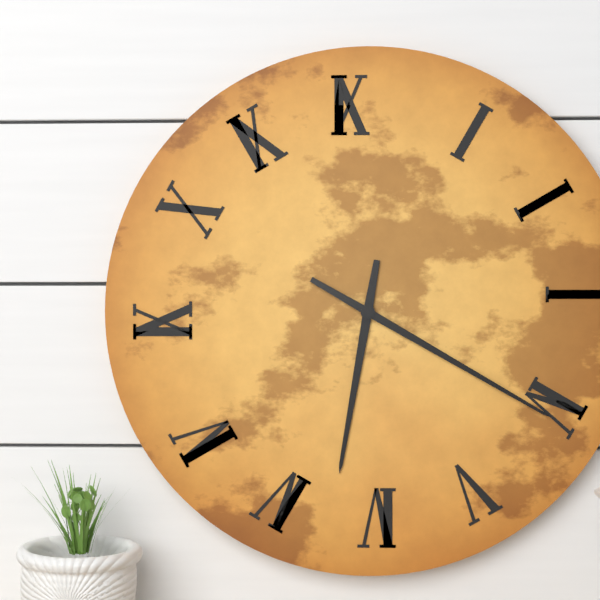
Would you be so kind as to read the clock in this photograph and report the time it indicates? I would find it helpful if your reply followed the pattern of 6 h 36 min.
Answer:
6 h 20 min
